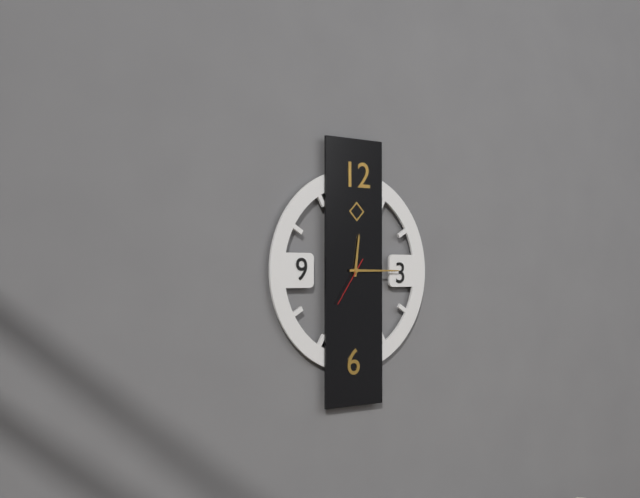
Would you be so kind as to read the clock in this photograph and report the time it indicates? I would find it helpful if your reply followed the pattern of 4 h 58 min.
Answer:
12 h 15 min
